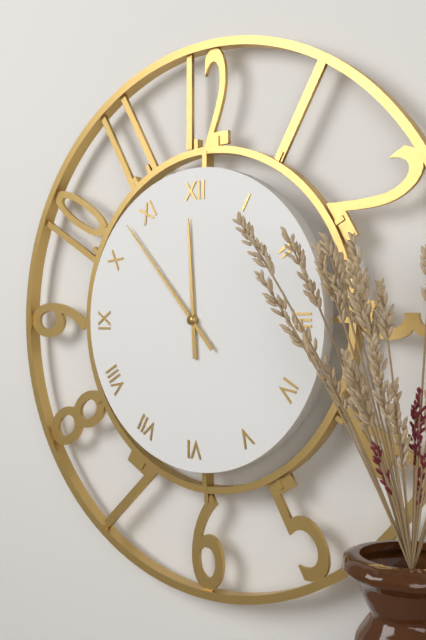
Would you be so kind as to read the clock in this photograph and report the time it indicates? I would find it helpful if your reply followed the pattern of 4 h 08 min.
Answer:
11 h 53 min
